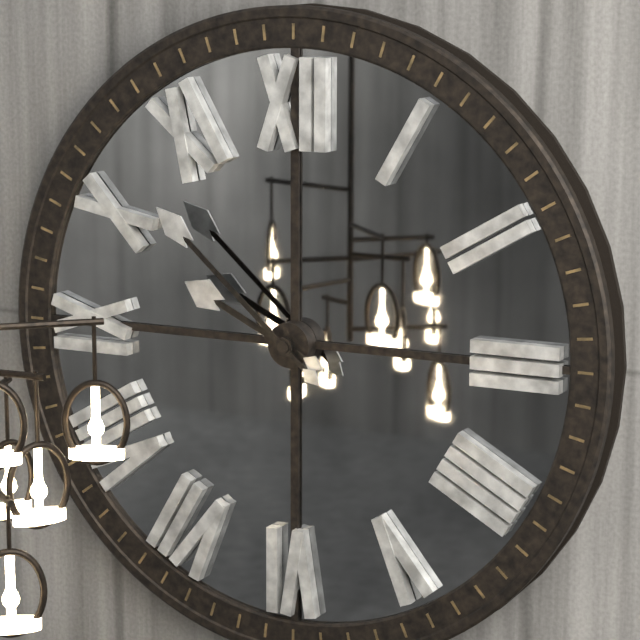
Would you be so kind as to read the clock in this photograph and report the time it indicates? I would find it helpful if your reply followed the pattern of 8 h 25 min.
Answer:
9 h 52 min
